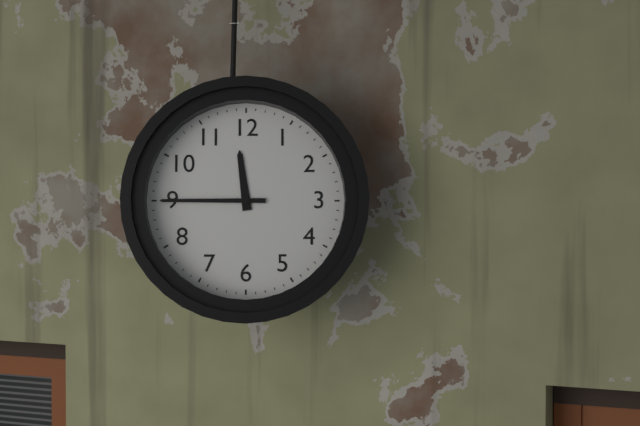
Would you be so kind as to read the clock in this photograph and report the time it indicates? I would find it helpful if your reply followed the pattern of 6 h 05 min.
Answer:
11 h 45 min
